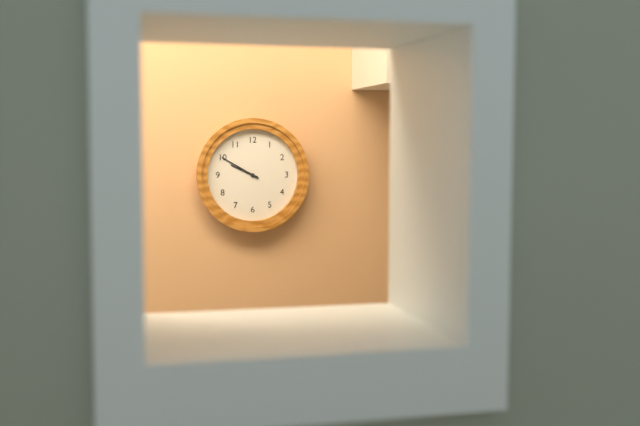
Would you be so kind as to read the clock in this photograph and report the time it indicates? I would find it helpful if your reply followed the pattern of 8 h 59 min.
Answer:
9 h 50 min
